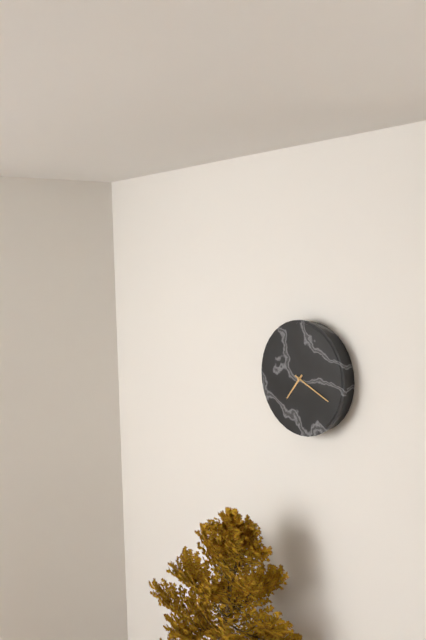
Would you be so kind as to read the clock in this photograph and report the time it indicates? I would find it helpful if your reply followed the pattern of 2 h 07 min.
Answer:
7 h 19 min
